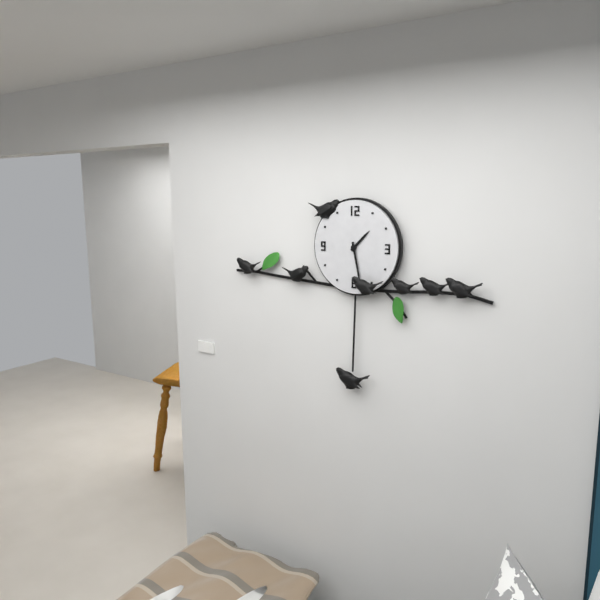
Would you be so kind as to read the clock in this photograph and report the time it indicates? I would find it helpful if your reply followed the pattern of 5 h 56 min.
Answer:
1 h 28 min
